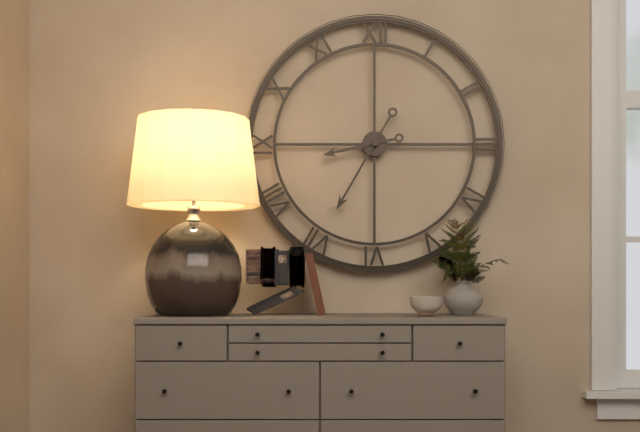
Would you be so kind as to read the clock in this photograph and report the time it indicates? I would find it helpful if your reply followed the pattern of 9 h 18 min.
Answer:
8 h 35 min
